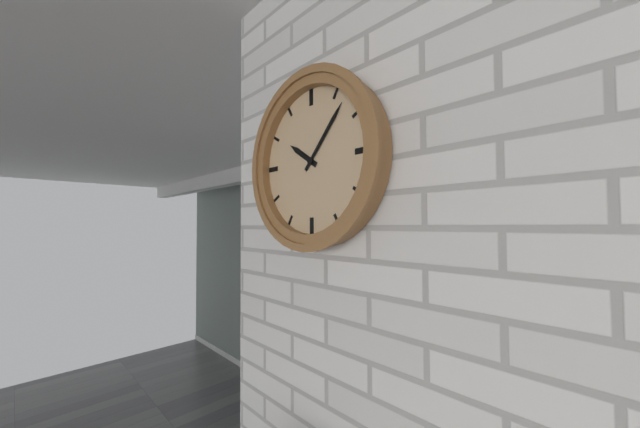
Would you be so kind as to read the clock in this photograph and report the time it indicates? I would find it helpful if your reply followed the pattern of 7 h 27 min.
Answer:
10 h 07 min
